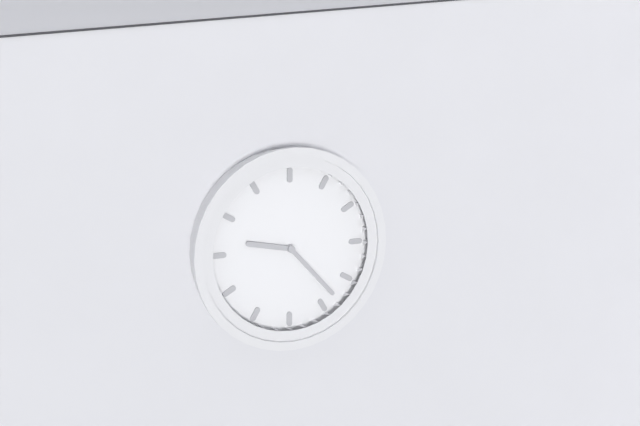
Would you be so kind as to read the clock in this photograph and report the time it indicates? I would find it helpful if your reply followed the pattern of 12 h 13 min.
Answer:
9 h 23 min
